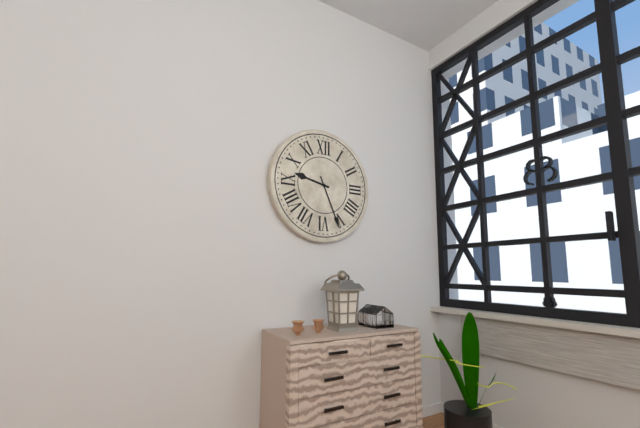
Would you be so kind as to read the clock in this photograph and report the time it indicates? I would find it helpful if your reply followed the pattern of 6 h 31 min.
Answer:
9 h 26 min
